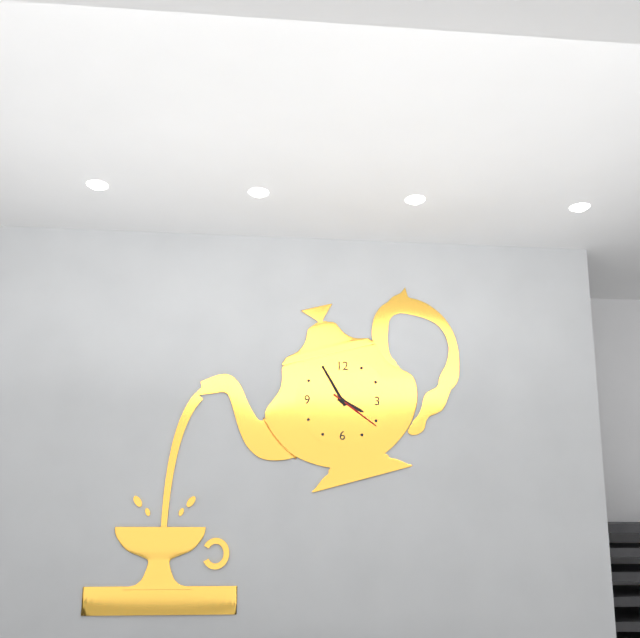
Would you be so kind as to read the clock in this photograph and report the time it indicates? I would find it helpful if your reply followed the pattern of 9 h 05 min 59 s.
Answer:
3 h 55 min 21 s
